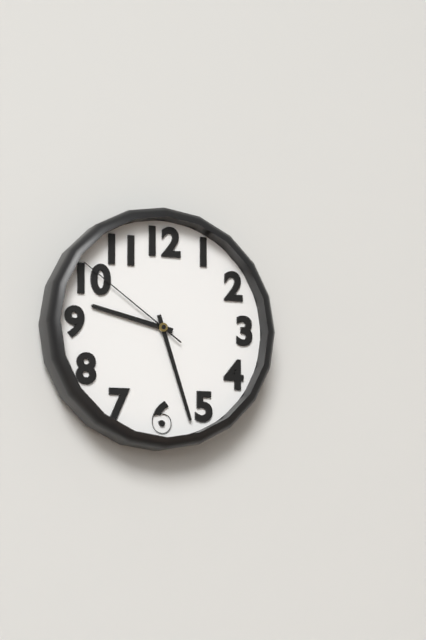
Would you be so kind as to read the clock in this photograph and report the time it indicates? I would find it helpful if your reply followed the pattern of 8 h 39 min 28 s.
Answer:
9 h 27 min 51 s
